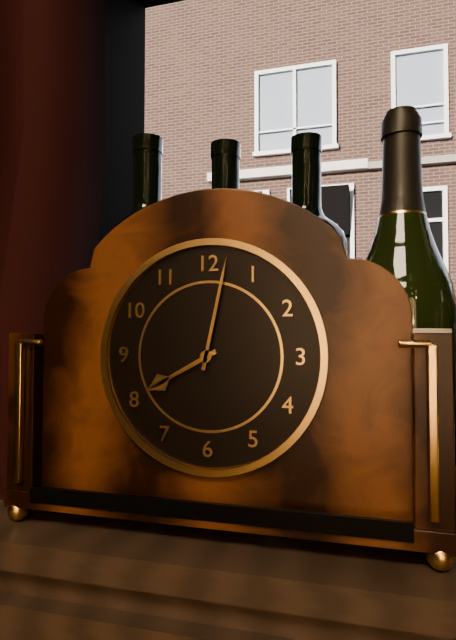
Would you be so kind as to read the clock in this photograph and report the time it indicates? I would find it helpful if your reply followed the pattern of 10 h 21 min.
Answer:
8 h 02 min
